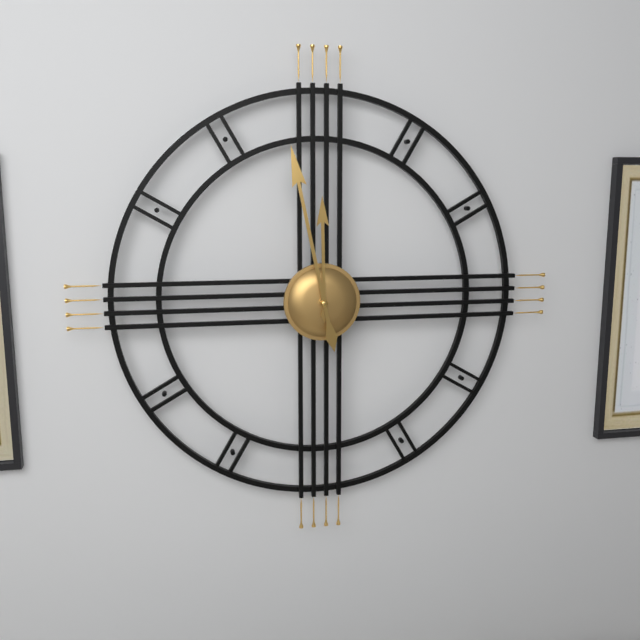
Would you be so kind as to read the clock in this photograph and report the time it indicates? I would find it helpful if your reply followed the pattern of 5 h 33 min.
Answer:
11 h 58 min
